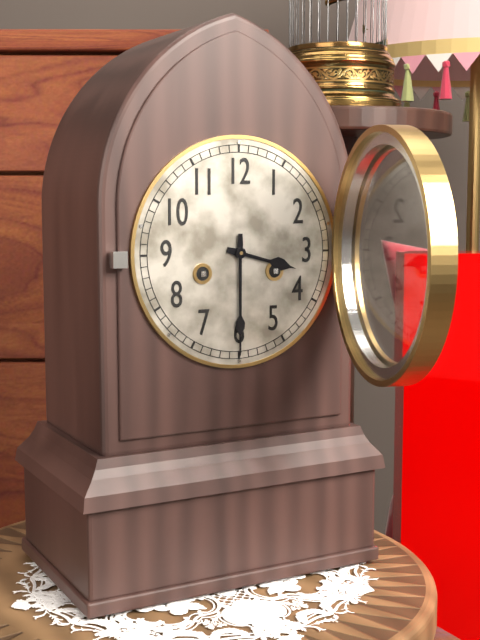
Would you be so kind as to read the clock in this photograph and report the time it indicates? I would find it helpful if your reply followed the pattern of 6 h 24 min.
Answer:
3 h 30 min
